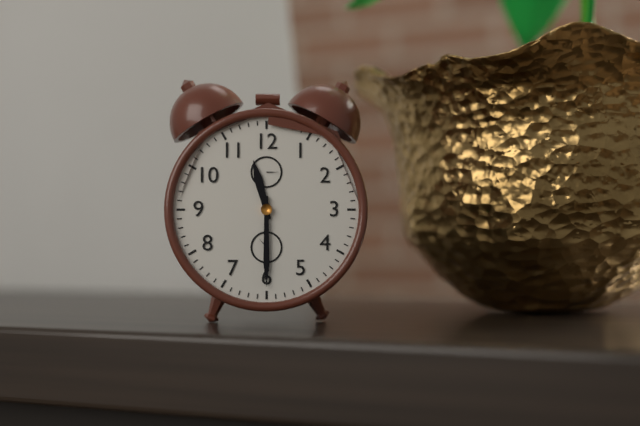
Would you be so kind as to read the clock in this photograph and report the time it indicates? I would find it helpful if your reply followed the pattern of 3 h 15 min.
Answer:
11 h 30 min
